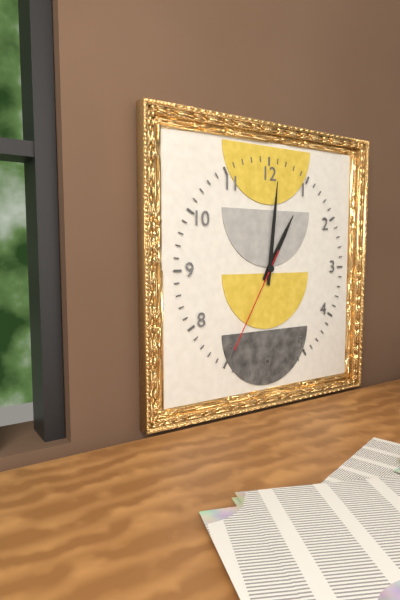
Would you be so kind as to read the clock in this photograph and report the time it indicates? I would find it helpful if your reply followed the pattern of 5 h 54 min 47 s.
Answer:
1 h 01 min 35 s
